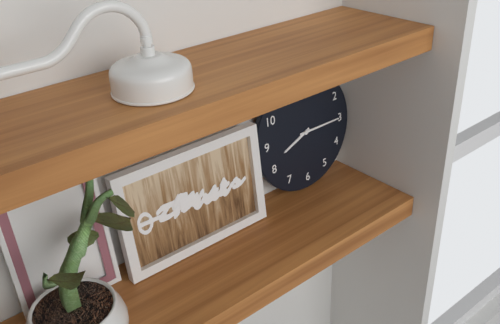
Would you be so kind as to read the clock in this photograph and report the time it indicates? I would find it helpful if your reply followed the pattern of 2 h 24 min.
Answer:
8 h 15 min
